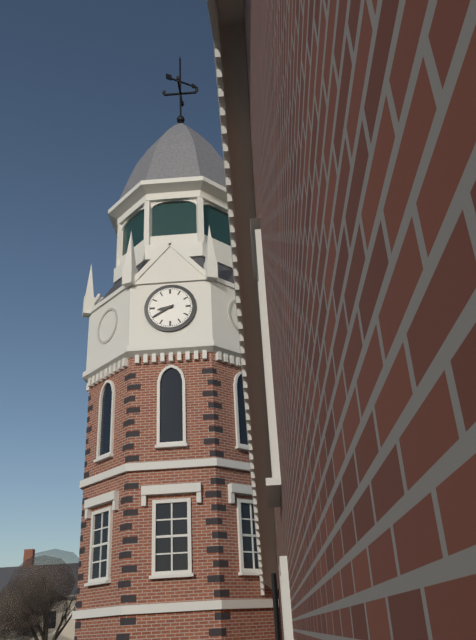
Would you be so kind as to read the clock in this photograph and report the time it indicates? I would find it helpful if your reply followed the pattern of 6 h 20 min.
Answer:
8 h 40 min
